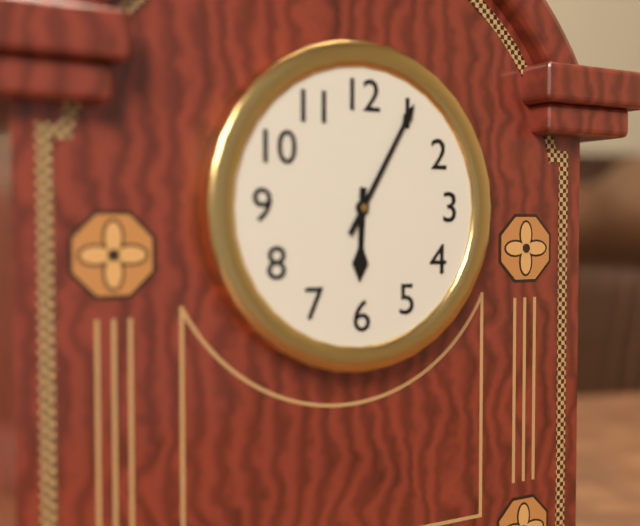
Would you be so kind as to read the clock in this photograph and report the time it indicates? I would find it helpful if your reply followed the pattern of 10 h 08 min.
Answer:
6 h 05 min
